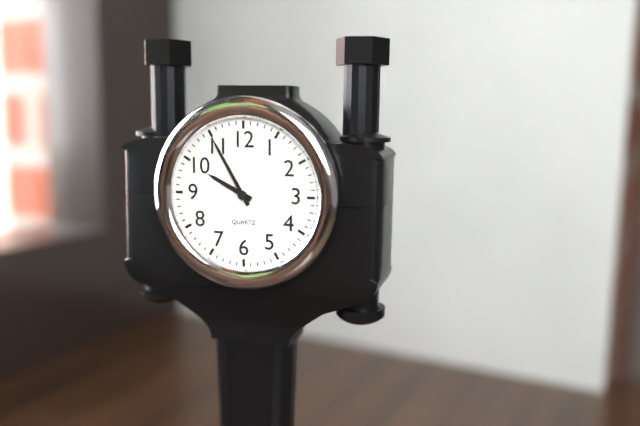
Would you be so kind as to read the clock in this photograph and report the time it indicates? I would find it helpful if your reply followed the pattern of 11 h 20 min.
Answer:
9 h 55 min
